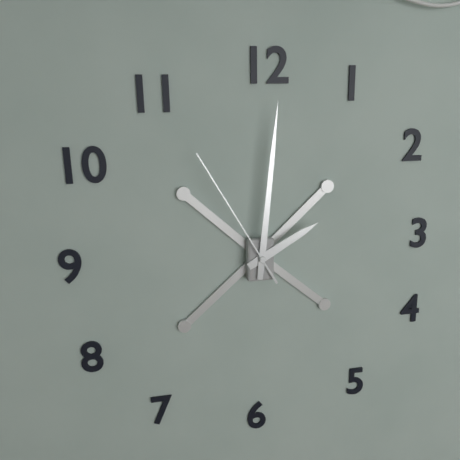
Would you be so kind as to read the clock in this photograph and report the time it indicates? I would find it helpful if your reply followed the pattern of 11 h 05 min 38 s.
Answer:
2 h 01 min 55 s
